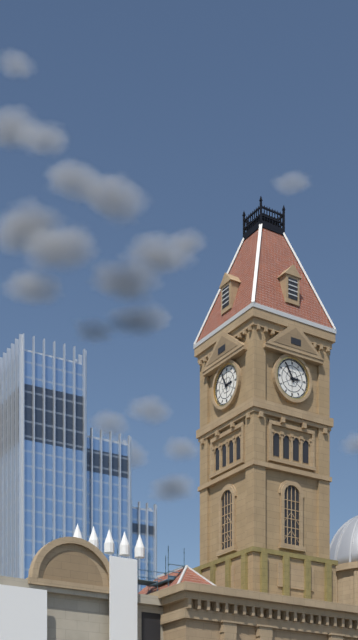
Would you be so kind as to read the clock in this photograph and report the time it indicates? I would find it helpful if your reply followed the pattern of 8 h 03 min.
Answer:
2 h 55 min
